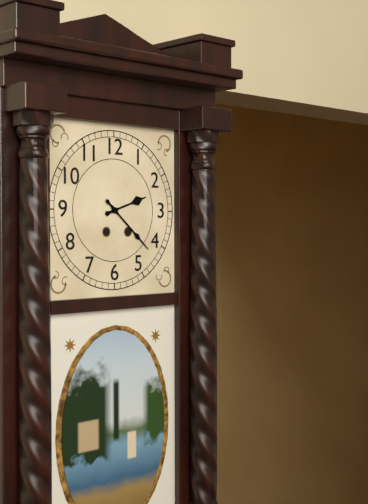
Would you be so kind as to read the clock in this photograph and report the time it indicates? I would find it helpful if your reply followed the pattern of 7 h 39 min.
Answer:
2 h 22 min
